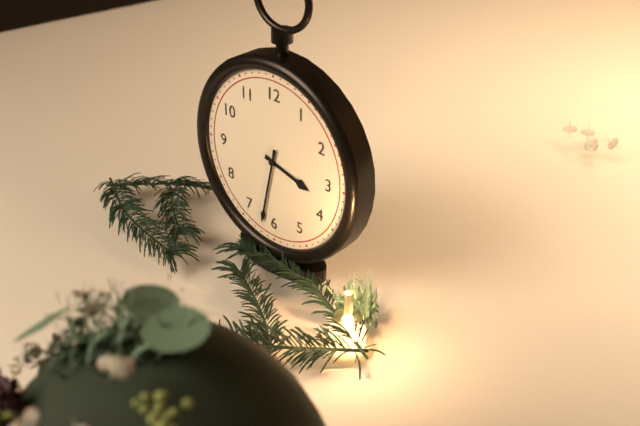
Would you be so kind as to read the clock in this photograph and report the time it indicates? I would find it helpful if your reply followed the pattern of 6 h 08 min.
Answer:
3 h 32 min
